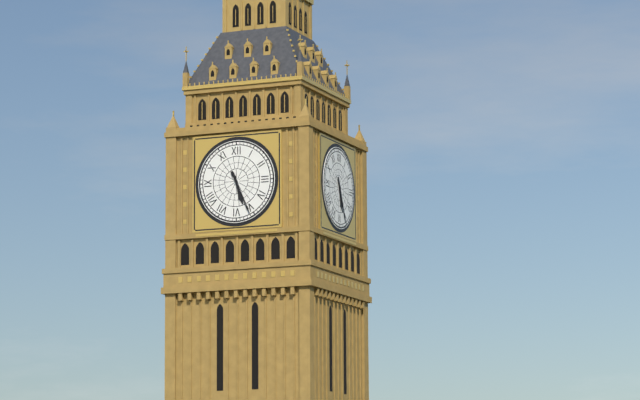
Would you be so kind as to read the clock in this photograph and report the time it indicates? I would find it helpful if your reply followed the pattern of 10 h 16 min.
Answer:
5 h 26 min
